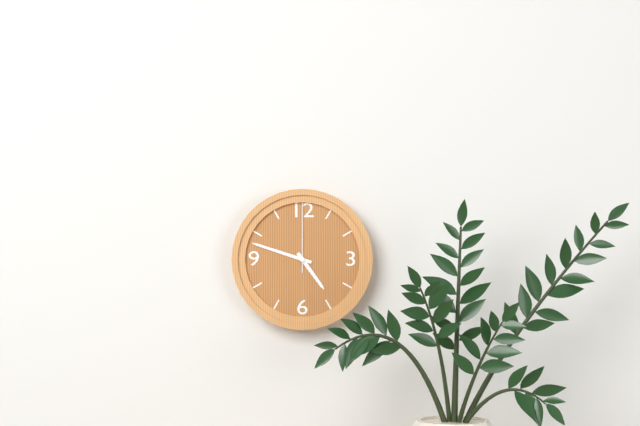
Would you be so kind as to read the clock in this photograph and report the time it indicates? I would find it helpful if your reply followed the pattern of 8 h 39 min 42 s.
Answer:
4 h 48 min 00 s
